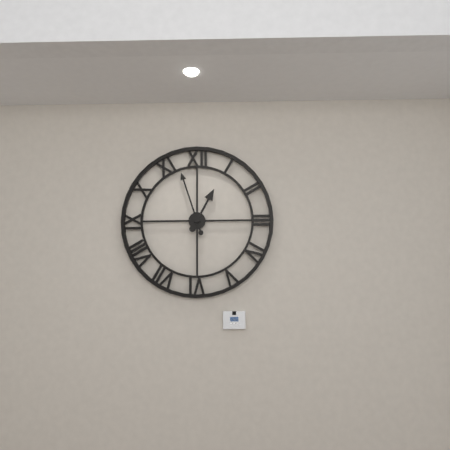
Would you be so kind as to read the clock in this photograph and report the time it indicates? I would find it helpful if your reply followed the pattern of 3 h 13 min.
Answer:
12 h 57 min
